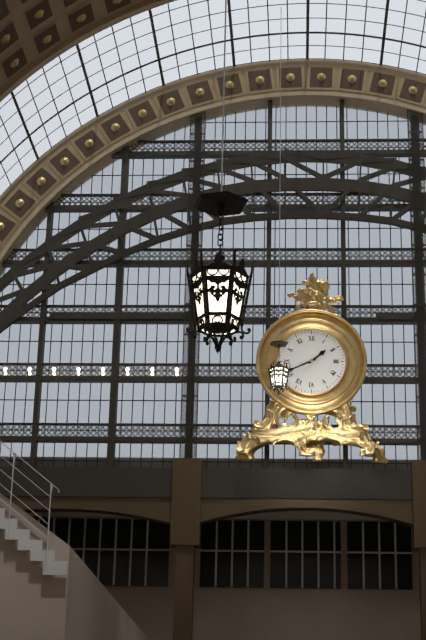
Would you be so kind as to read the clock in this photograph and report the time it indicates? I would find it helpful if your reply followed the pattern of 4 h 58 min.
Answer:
1 h 41 min
